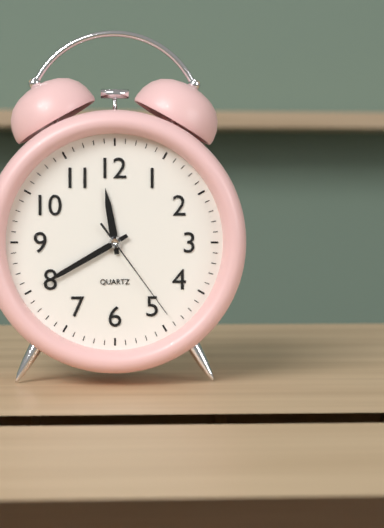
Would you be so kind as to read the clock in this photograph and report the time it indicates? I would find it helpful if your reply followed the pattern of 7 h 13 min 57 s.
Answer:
11 h 40 min 24 s
